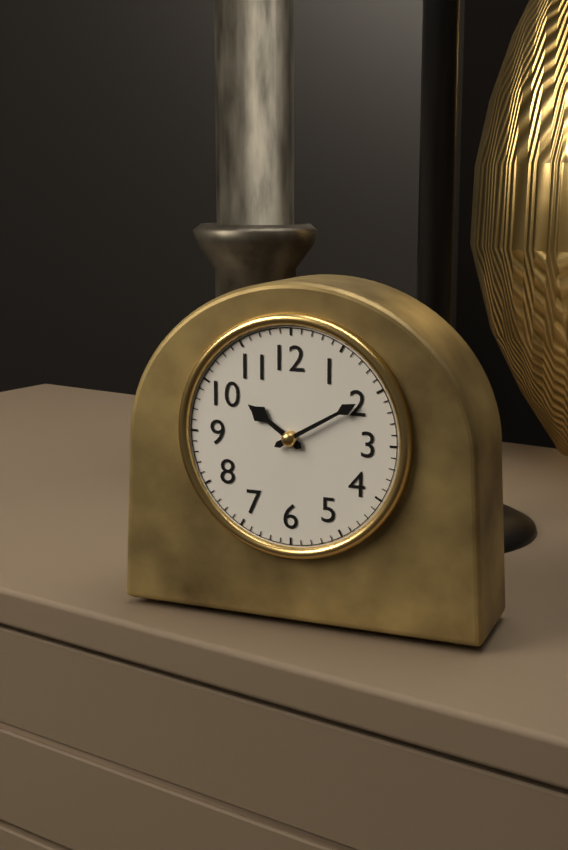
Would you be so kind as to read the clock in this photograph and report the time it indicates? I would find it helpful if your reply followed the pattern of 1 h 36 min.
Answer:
10 h 10 min
